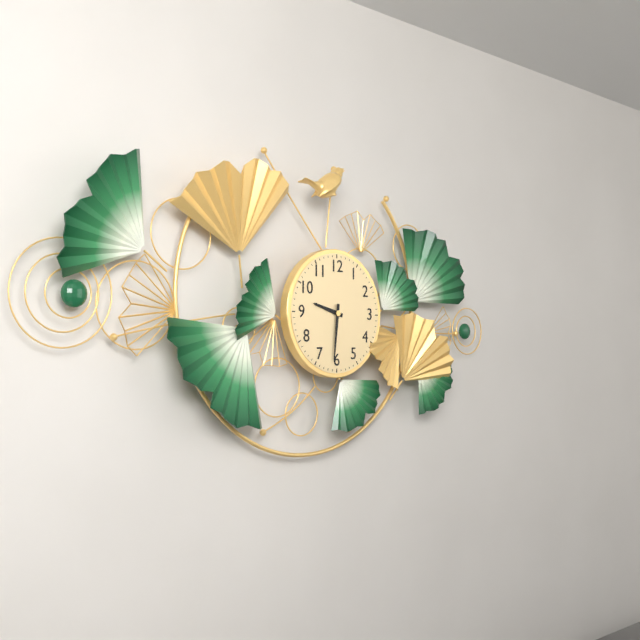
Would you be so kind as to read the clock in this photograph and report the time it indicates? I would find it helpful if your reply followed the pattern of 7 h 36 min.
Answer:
9 h 31 min
